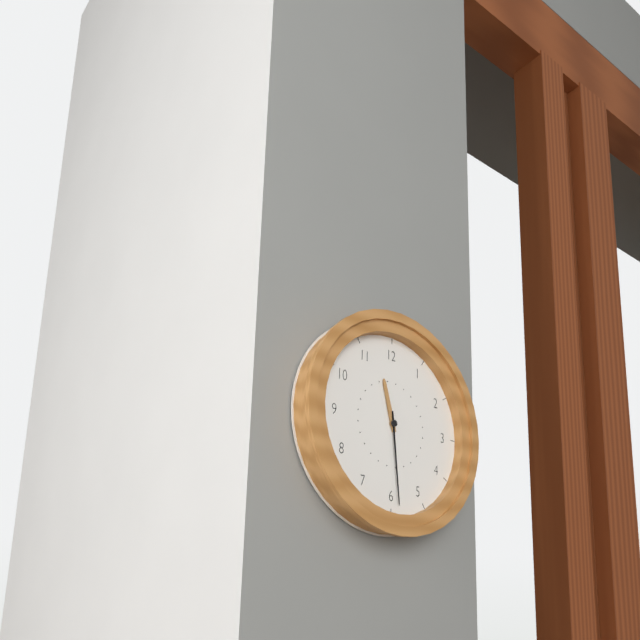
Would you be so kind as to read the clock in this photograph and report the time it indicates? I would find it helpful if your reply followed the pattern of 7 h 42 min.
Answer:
11 h 29 min
